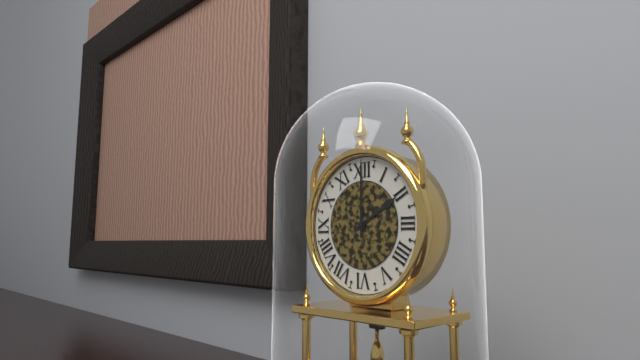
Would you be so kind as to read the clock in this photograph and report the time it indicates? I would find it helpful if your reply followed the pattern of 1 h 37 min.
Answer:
2 h 00 min
